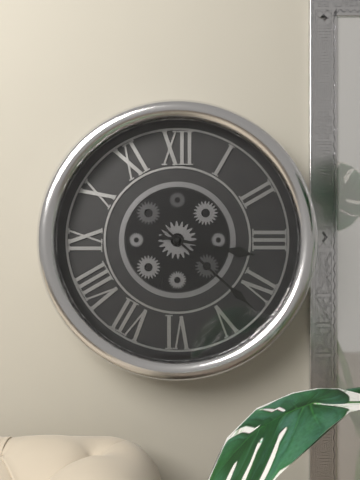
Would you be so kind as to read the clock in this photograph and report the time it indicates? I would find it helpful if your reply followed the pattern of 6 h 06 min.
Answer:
3 h 22 min
